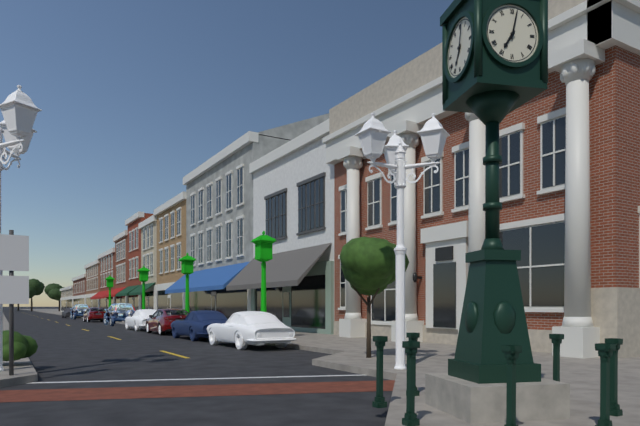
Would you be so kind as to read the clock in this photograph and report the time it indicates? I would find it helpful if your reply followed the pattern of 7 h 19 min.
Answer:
7 h 02 min
